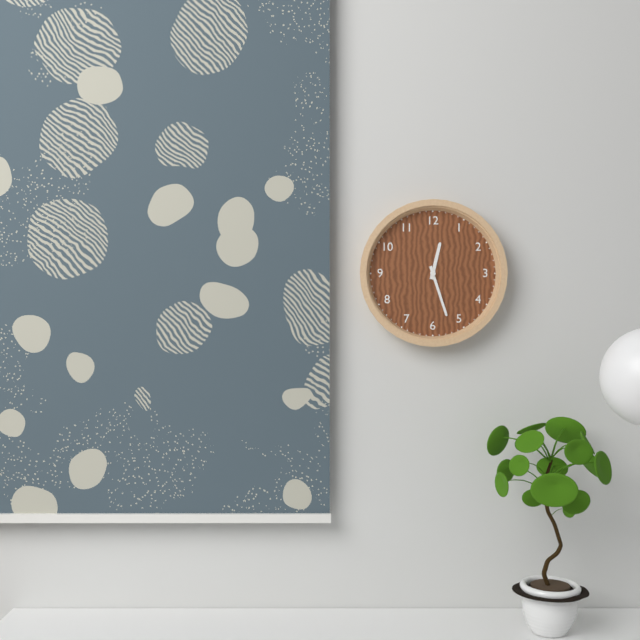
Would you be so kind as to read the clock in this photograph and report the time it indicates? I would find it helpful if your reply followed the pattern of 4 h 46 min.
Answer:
12 h 27 min
